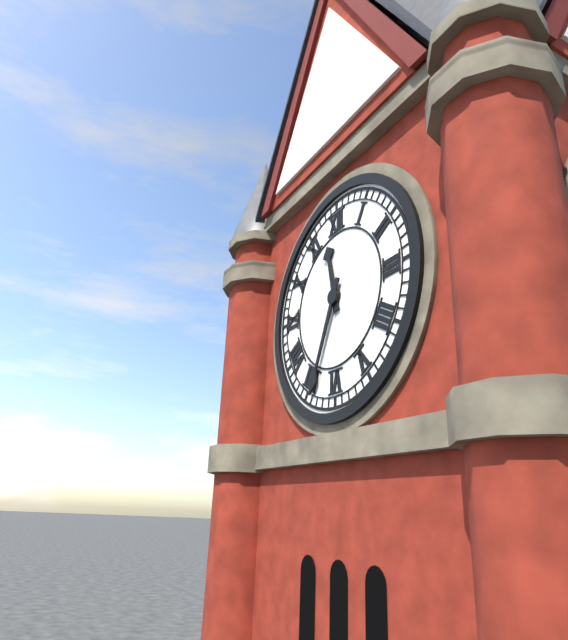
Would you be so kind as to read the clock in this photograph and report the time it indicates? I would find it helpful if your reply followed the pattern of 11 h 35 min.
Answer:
11 h 34 min
